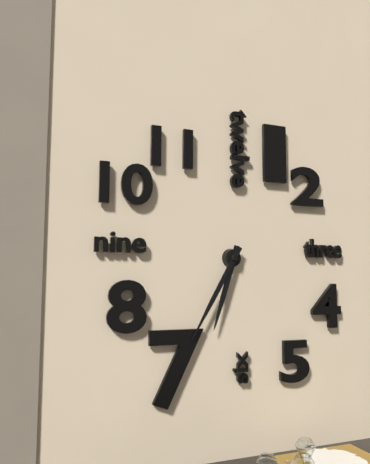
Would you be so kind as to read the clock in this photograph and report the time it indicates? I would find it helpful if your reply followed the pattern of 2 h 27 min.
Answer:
6 h 35 min
